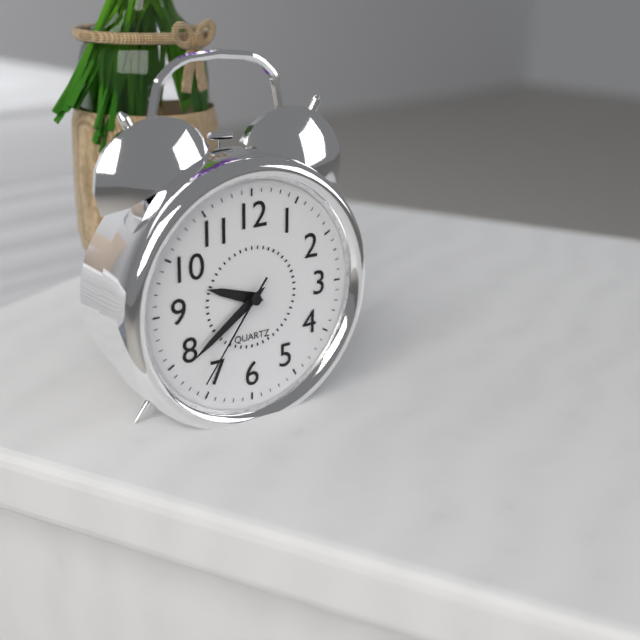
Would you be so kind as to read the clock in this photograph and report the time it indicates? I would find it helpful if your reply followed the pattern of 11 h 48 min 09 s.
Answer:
9 h 39 min 36 s
